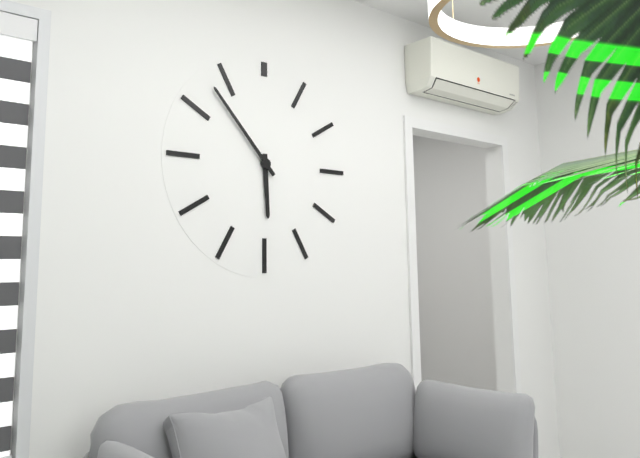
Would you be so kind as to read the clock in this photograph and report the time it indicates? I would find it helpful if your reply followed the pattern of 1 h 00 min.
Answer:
5 h 53 min
